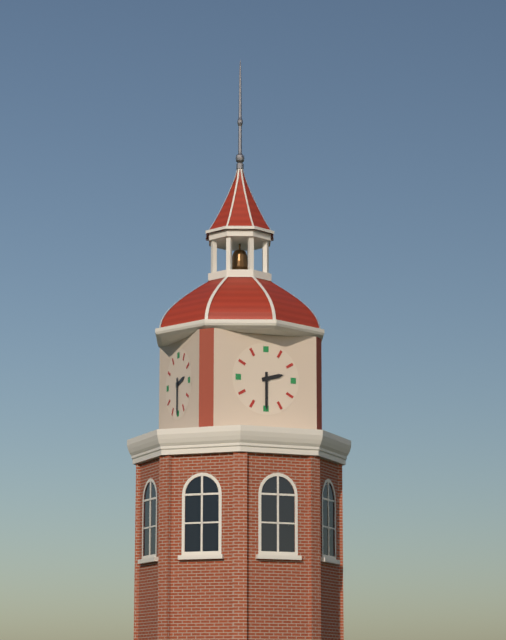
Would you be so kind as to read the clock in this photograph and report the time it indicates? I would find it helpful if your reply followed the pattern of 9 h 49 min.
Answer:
2 h 30 min
